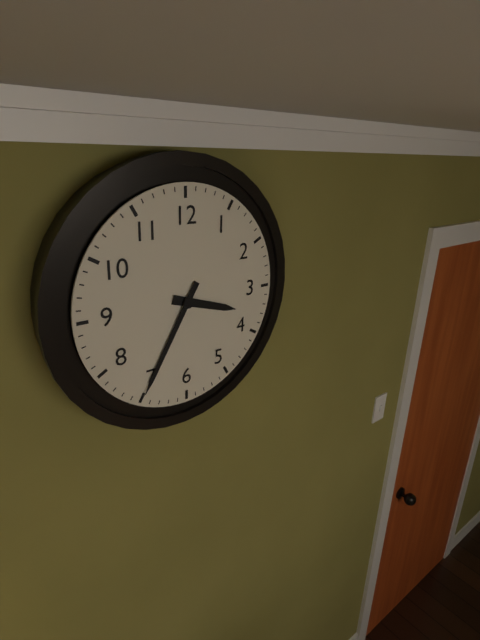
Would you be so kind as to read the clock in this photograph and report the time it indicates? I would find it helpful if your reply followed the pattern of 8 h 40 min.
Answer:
3 h 35 min
